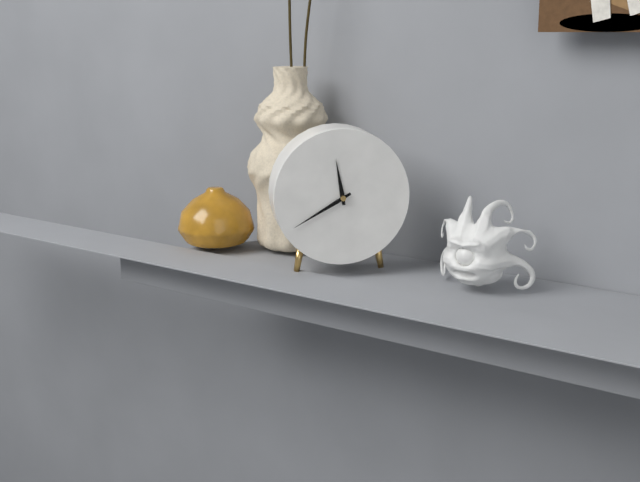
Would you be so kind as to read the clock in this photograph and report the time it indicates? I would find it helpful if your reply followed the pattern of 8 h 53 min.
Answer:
11 h 40 min
